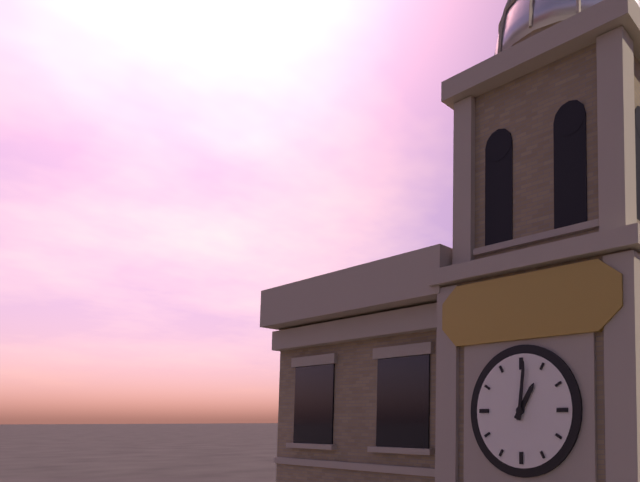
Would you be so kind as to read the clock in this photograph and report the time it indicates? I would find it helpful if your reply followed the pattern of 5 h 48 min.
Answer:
1 h 01 min
